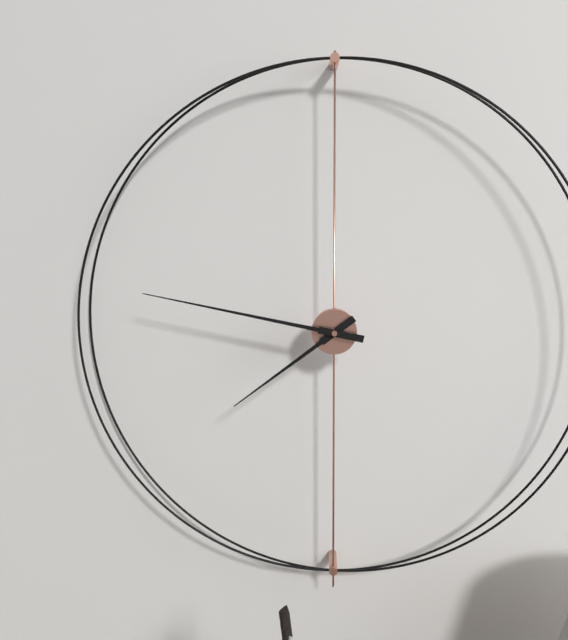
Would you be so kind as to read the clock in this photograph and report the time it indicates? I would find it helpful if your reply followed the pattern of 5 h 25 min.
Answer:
7 h 47 min
